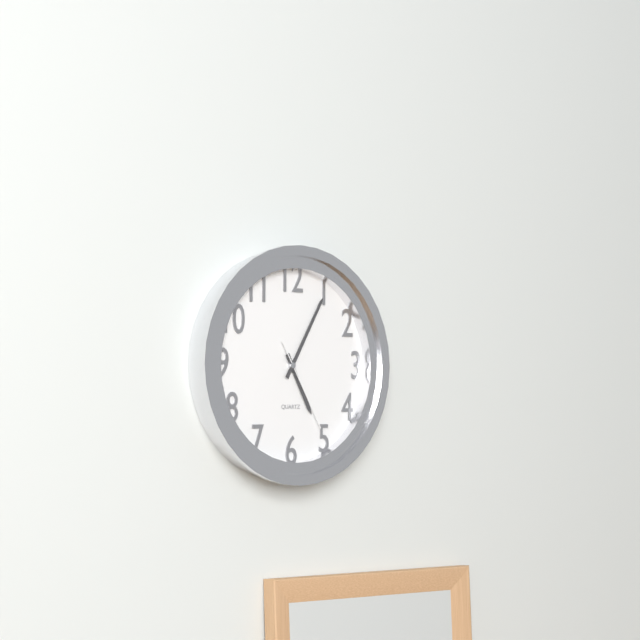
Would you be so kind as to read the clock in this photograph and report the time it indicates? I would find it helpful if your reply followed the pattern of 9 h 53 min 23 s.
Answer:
5 h 05 min 25 s
